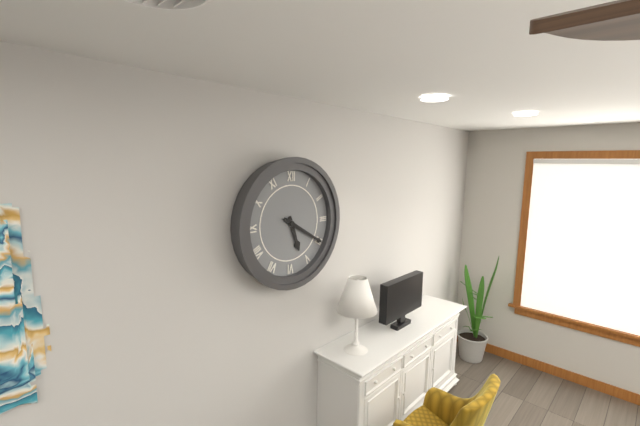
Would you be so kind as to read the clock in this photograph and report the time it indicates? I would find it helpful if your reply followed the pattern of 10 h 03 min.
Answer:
5 h 20 min
